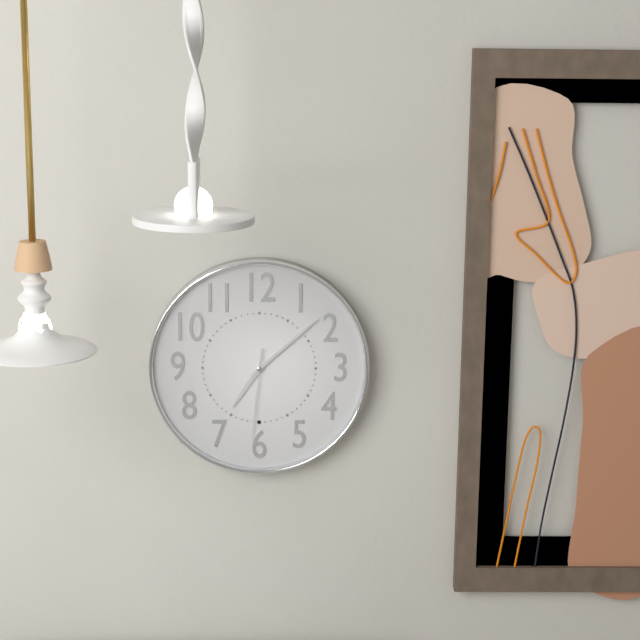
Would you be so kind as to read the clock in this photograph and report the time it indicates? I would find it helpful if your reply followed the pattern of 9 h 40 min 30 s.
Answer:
7 h 08 min 31 s
